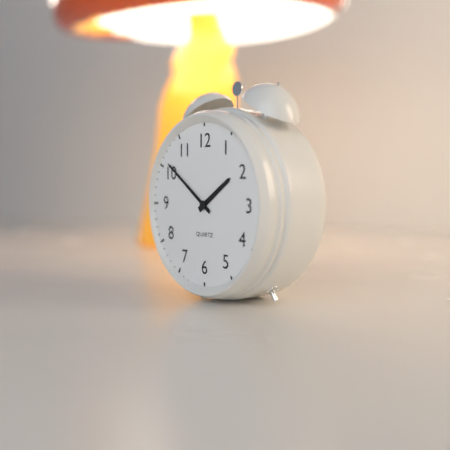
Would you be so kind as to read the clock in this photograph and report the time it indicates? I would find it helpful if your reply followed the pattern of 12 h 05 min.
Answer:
1 h 51 min
